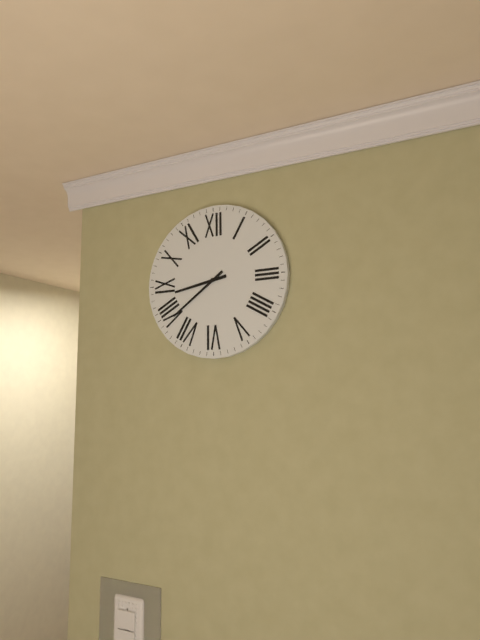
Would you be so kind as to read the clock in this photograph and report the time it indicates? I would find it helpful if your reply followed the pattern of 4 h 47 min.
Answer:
8 h 39 min
